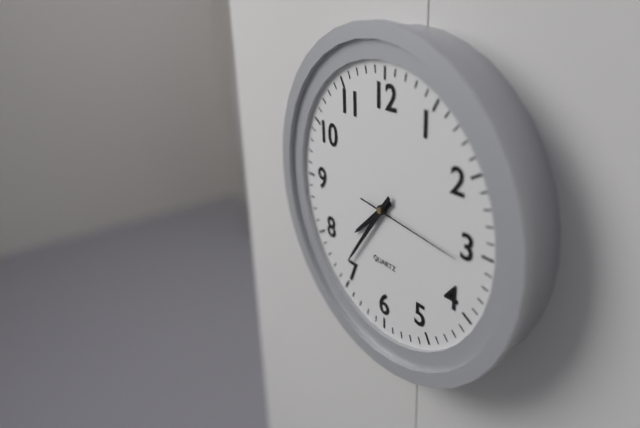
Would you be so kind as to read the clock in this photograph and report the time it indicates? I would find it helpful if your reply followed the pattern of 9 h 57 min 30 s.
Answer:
7 h 36 min 16 s
